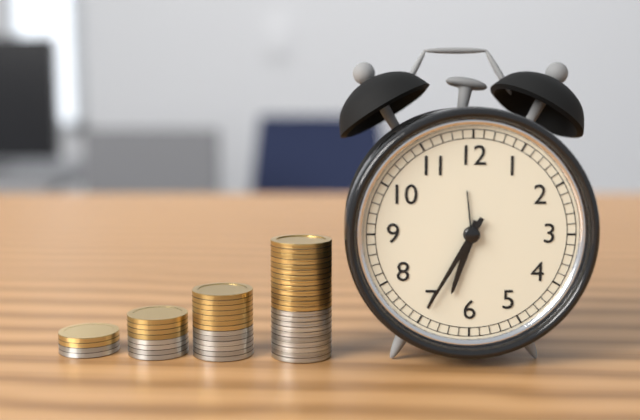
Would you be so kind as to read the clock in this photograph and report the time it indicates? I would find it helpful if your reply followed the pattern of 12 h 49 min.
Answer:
6 h 35 min
